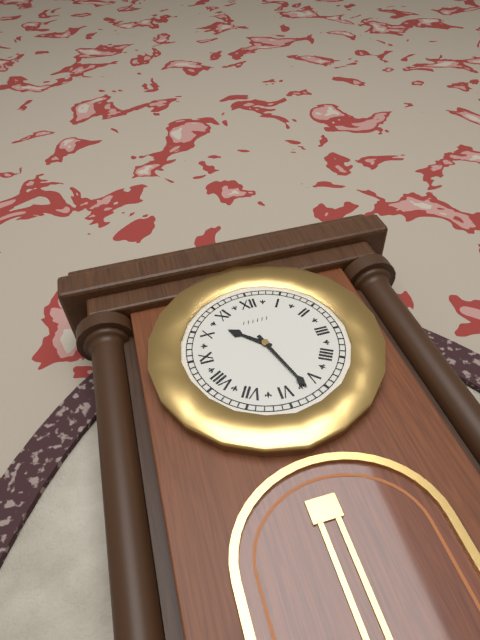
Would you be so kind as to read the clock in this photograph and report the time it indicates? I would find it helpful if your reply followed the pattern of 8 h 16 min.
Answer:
10 h 27 min
